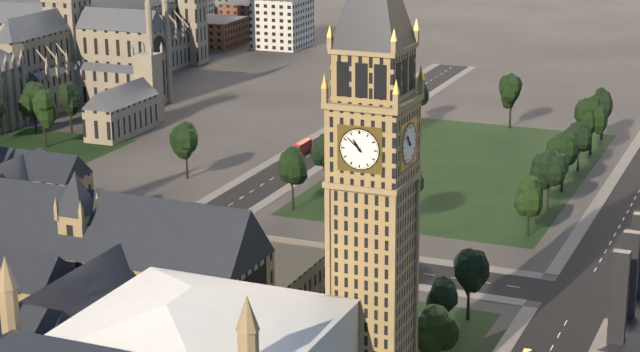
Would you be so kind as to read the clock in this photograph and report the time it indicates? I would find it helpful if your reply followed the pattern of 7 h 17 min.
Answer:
10 h 52 min
